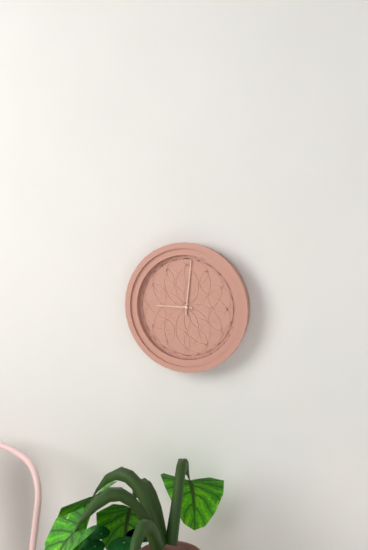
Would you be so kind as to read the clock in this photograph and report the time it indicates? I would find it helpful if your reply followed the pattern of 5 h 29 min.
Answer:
9 h 01 min
